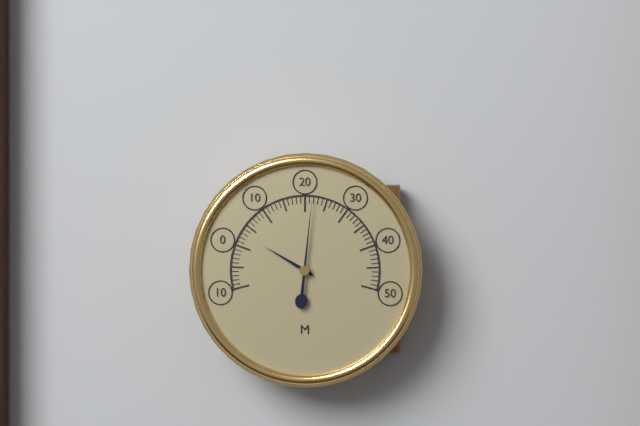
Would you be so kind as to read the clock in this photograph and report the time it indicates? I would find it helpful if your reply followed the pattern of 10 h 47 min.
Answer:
10 h 01 min
